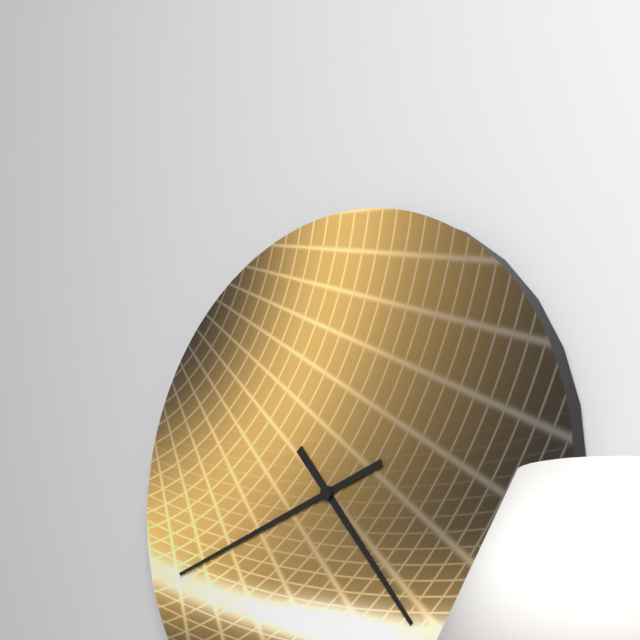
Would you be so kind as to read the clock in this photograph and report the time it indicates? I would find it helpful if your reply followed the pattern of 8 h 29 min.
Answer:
4 h 42 min
